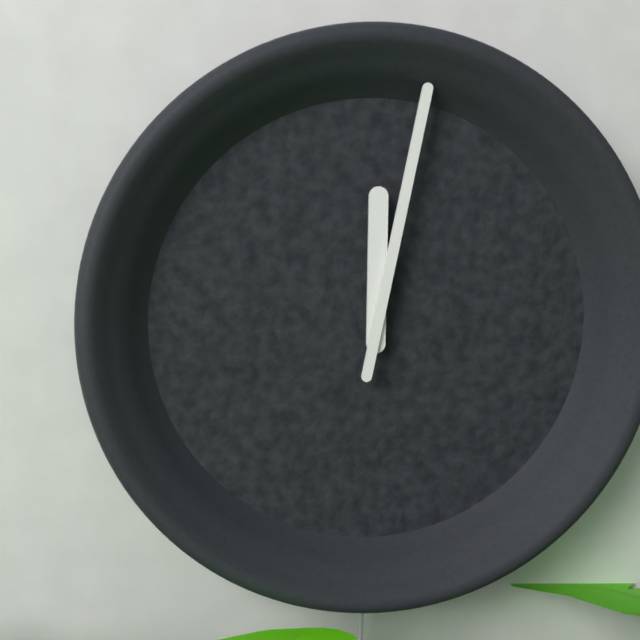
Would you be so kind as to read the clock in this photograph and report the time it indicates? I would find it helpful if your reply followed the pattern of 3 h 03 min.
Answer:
12 h 02 min
